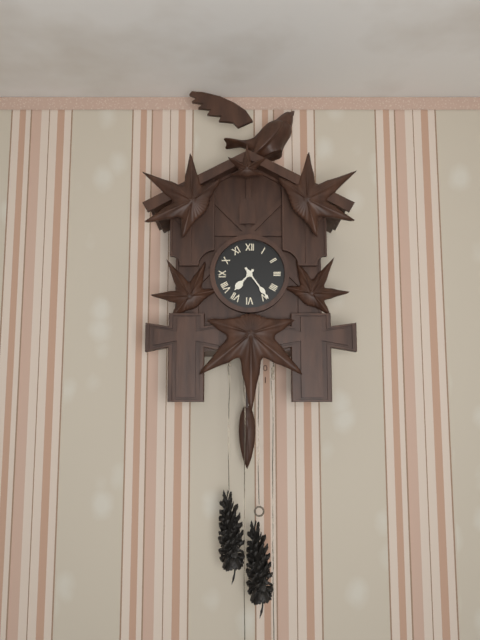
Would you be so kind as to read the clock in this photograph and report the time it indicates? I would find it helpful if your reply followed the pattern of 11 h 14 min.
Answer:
7 h 24 min
